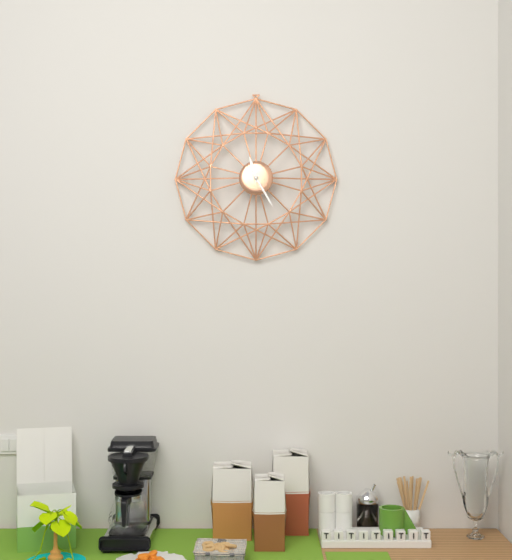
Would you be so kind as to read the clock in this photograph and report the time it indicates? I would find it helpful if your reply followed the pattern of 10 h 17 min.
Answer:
11 h 25 min
